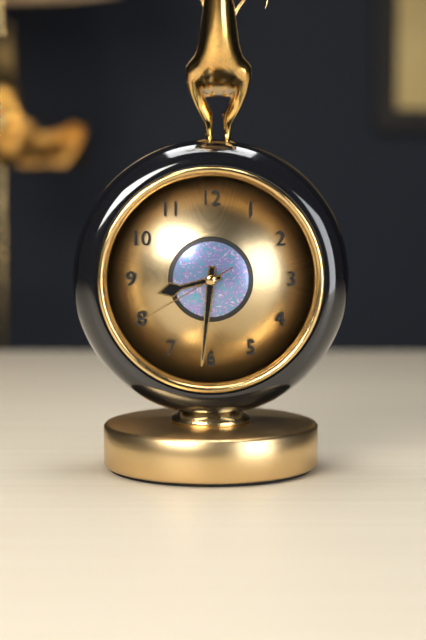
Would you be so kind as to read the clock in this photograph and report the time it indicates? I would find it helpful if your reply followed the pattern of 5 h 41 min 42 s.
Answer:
8 h 31 min 40 s
